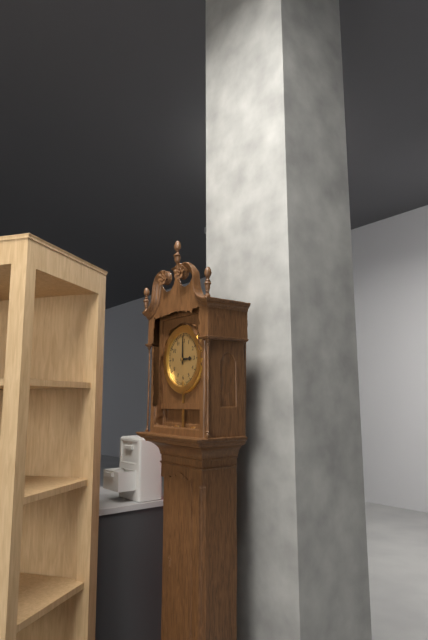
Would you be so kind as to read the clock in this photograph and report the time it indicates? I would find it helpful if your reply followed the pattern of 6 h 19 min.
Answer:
3 h 00 min
